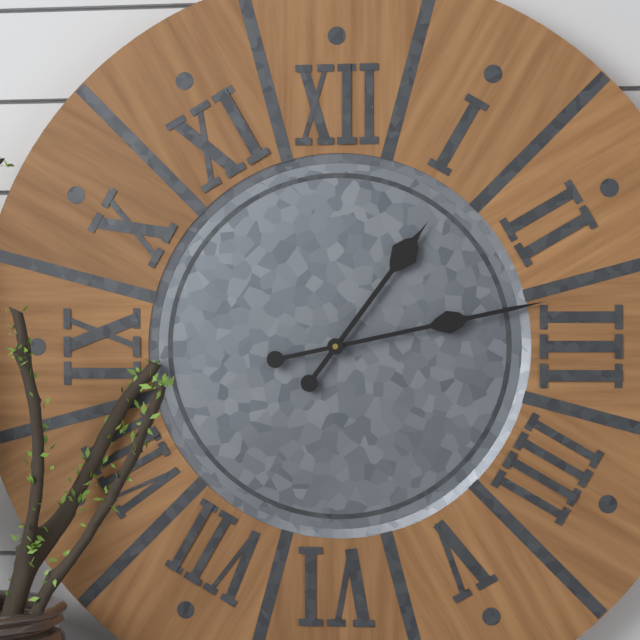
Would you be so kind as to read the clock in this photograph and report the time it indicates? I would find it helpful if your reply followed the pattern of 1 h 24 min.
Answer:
1 h 13 min
